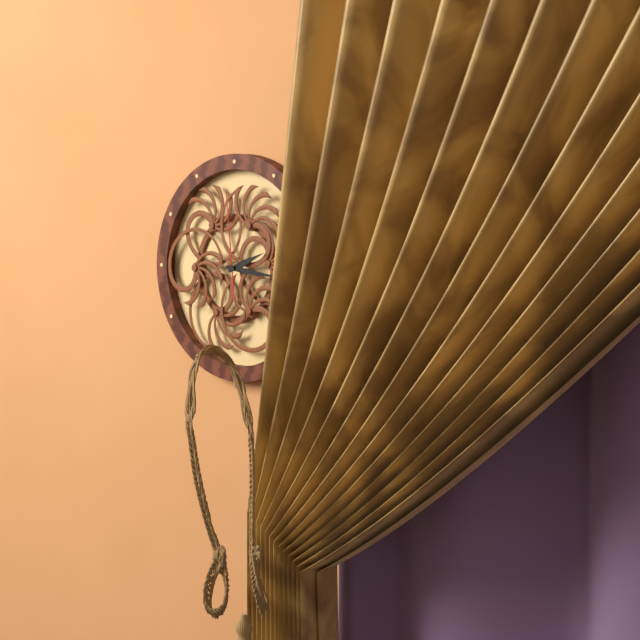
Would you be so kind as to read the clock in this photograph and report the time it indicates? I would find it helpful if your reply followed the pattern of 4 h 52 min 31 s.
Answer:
2 h 16 min 59 s
